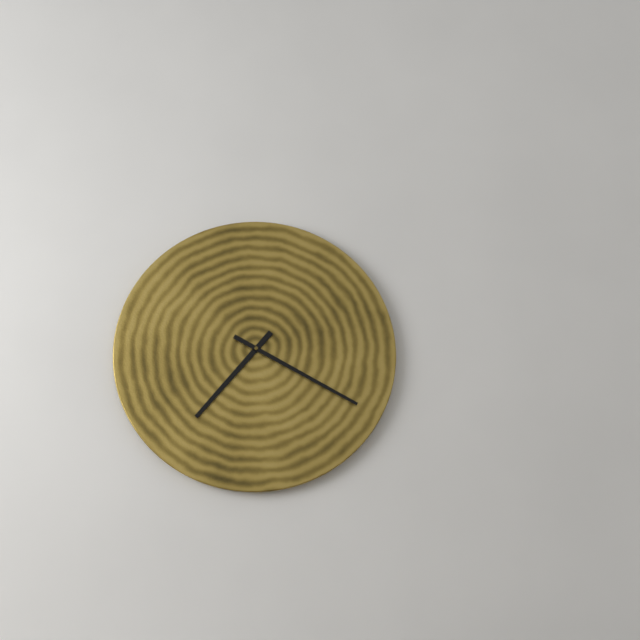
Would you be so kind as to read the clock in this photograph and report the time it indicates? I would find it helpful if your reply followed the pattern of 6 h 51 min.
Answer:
7 h 20 min
